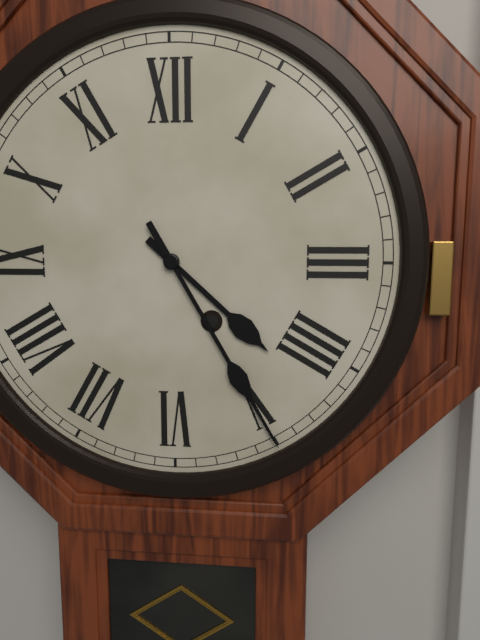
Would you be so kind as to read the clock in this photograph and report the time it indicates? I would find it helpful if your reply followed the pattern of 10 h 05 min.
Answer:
4 h 25 min
